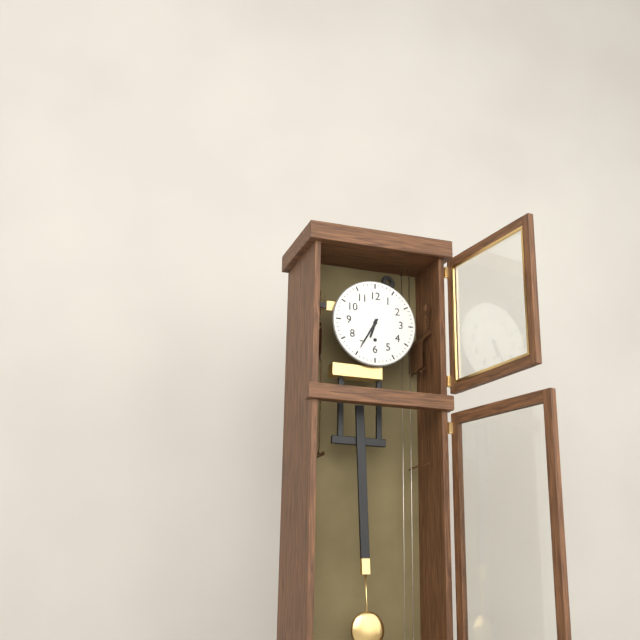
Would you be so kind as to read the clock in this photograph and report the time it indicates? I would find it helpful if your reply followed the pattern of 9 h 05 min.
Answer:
6 h 35 min
